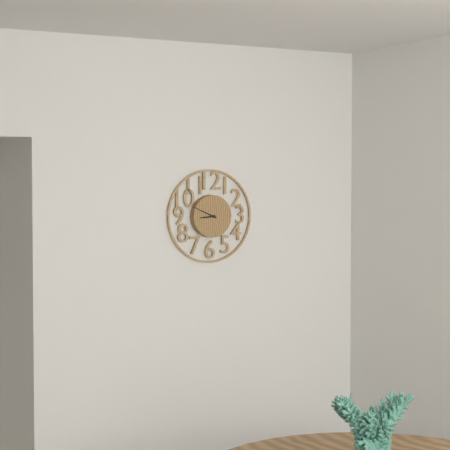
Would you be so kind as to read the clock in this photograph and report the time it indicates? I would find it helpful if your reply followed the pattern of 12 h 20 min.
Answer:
8 h 49 min
